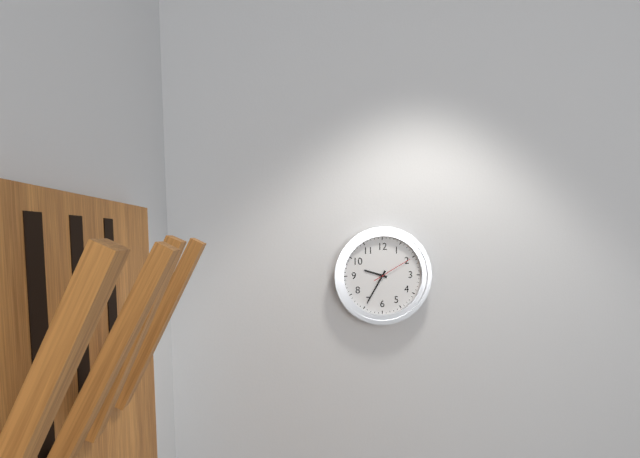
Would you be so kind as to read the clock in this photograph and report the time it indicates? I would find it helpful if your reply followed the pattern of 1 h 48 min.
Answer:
9 h 35 min
